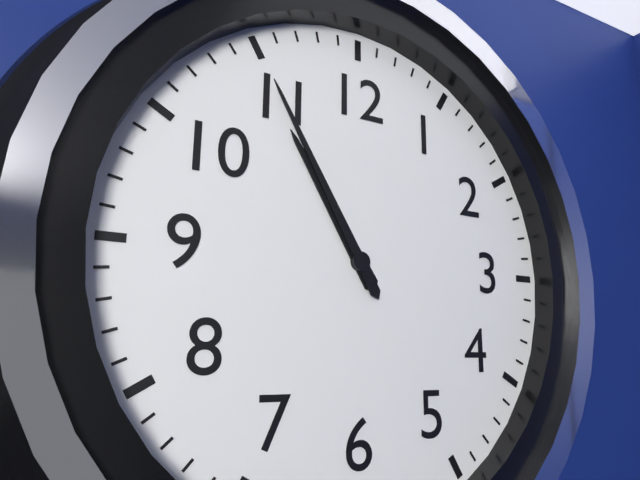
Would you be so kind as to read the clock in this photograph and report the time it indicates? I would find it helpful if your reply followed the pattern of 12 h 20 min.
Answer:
10 h 55 min
